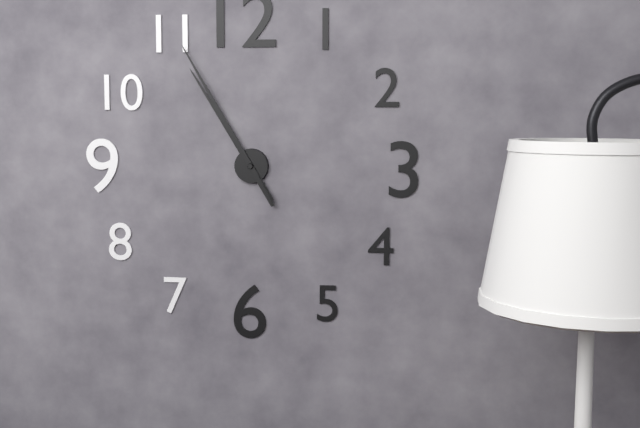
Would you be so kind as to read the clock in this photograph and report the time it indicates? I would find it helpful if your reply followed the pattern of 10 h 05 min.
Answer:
10 h 55 min
